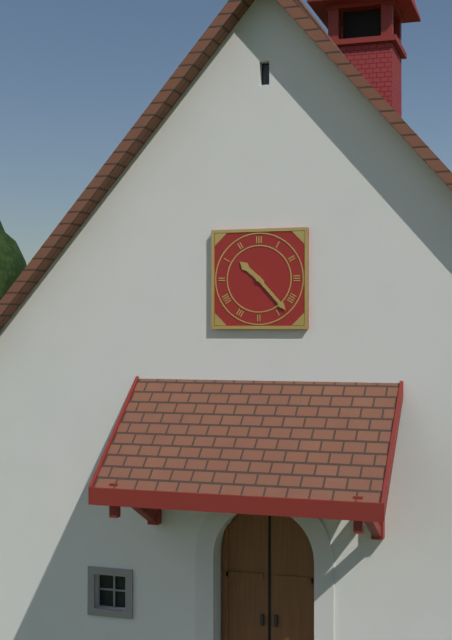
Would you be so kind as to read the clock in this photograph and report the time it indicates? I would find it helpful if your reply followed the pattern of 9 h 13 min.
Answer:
10 h 23 min
